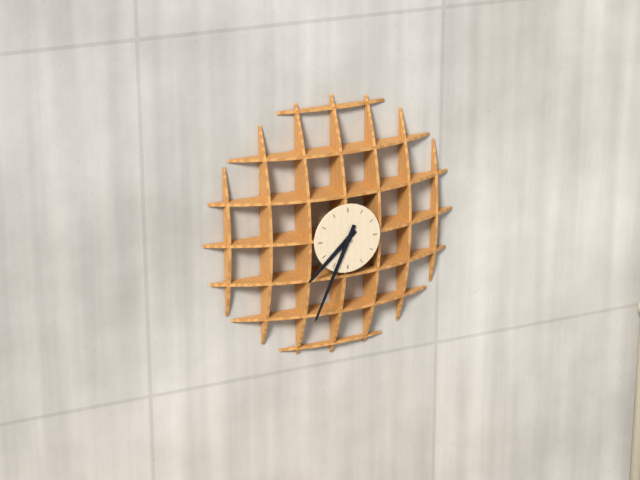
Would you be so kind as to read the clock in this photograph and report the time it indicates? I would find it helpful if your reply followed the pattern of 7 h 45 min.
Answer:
7 h 34 min
